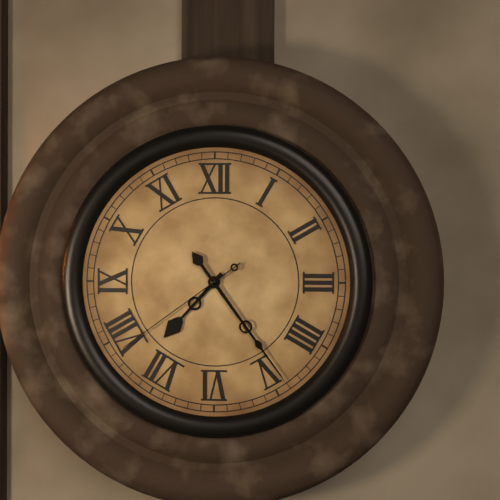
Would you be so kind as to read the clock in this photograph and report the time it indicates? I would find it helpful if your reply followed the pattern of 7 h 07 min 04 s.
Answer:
7 h 24 min 39 s
